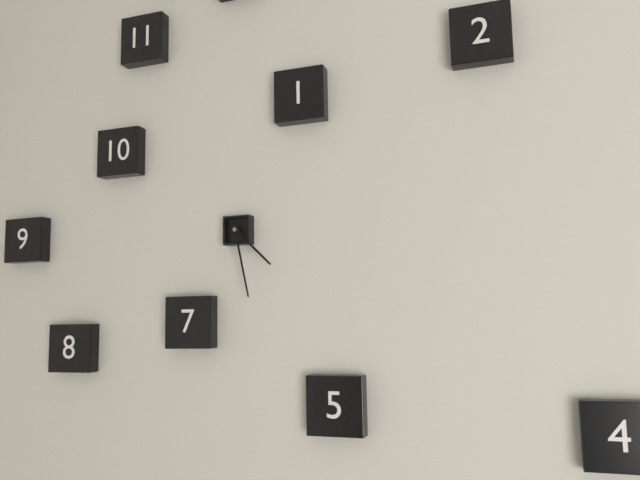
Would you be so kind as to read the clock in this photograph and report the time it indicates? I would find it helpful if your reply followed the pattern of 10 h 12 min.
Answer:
4 h 28 min
